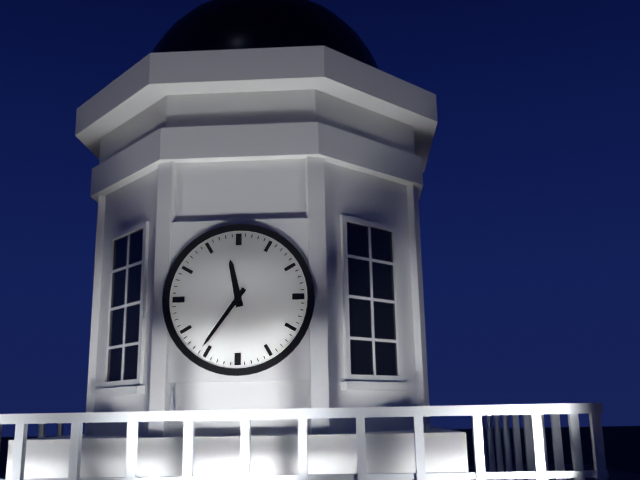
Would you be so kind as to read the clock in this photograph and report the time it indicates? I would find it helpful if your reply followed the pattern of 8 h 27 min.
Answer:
11 h 36 min
